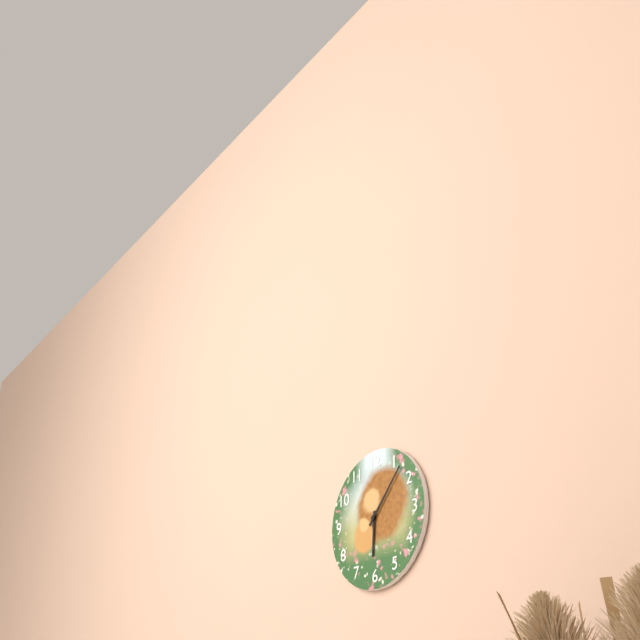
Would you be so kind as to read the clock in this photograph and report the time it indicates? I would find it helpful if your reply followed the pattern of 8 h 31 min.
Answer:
6 h 07 min
